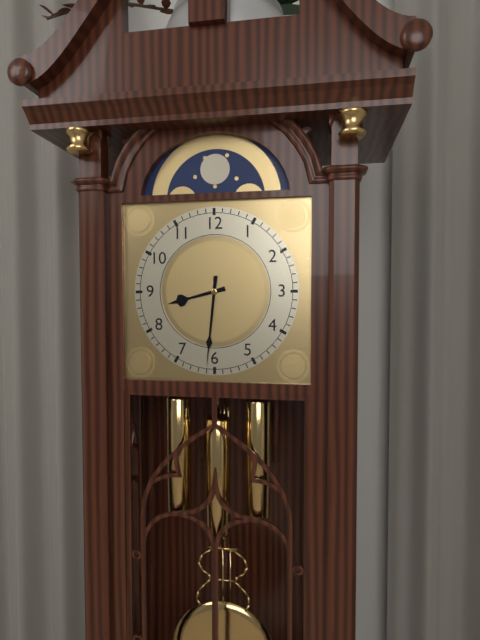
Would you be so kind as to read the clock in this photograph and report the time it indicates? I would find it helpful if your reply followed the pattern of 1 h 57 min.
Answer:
8 h 31 min
